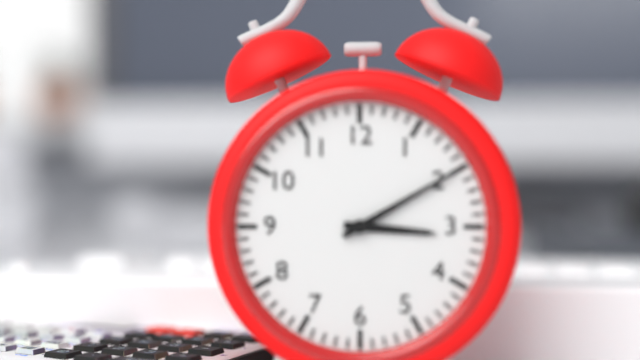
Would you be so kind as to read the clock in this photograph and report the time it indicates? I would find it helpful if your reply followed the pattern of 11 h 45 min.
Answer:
3 h 10 min
